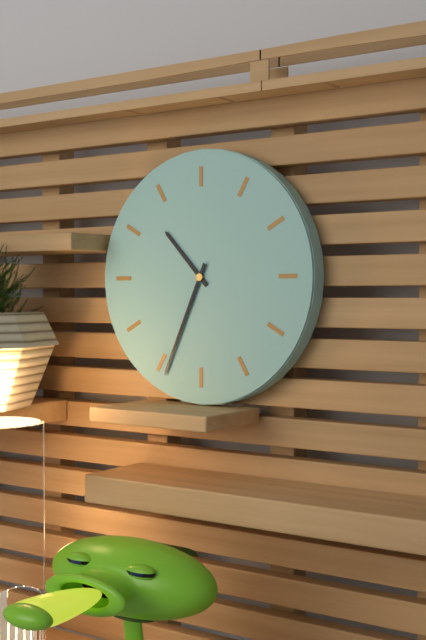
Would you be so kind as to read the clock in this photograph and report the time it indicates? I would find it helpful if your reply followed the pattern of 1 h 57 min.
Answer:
10 h 34 min
